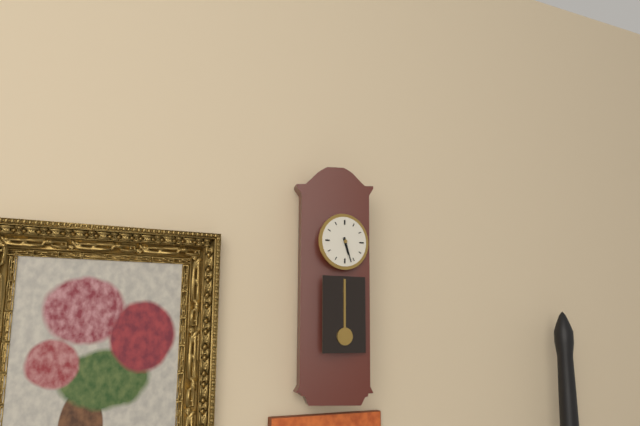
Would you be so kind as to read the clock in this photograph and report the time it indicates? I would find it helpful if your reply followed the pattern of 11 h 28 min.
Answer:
5 h 27 min
